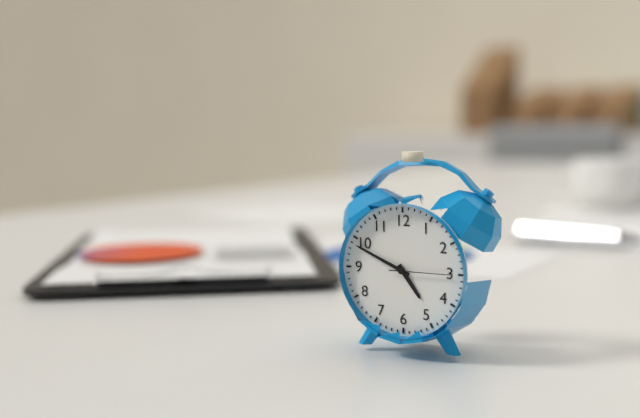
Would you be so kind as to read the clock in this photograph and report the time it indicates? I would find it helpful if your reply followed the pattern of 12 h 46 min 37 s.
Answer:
4 h 49 min 15 s
